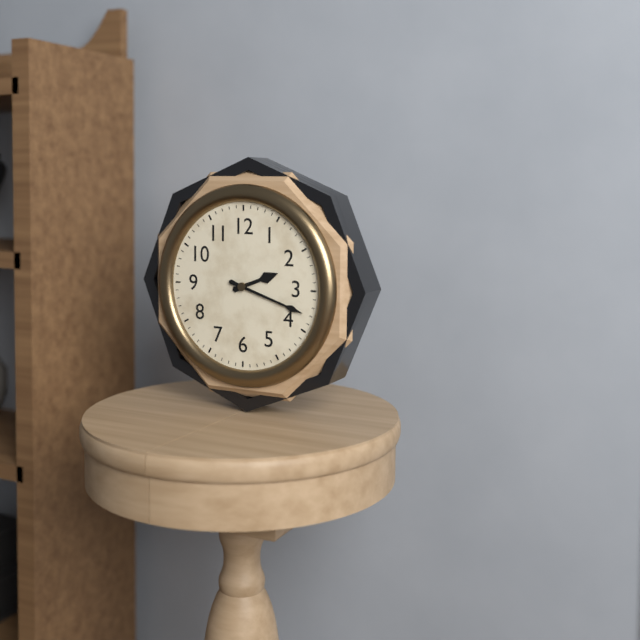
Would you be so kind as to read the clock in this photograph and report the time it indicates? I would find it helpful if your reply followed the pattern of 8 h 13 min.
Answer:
2 h 18 min
